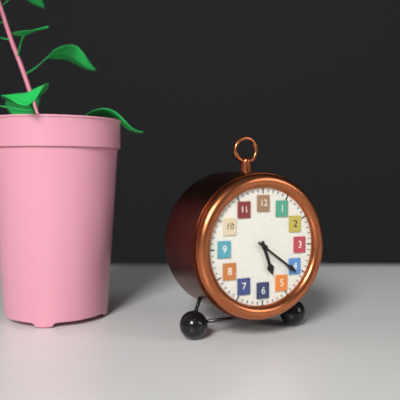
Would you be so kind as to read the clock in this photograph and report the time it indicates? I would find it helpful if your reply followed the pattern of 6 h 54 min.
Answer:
5 h 21 min
